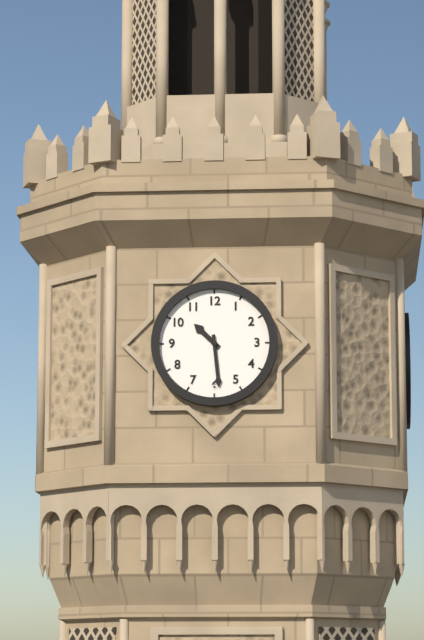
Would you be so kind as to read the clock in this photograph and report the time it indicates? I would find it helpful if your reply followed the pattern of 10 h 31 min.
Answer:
10 h 29 min
